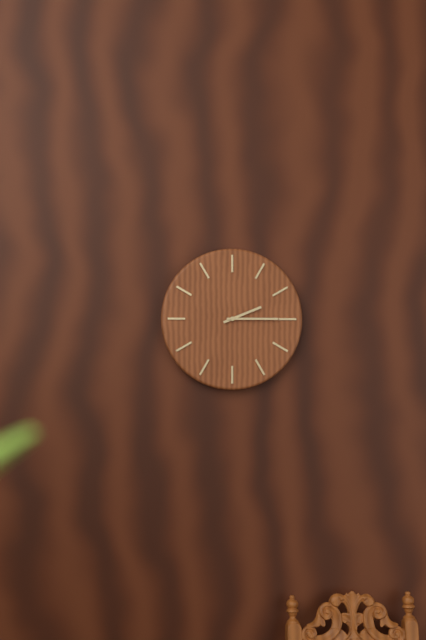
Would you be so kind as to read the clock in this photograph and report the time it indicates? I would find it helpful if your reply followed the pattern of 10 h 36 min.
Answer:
2 h 15 min
